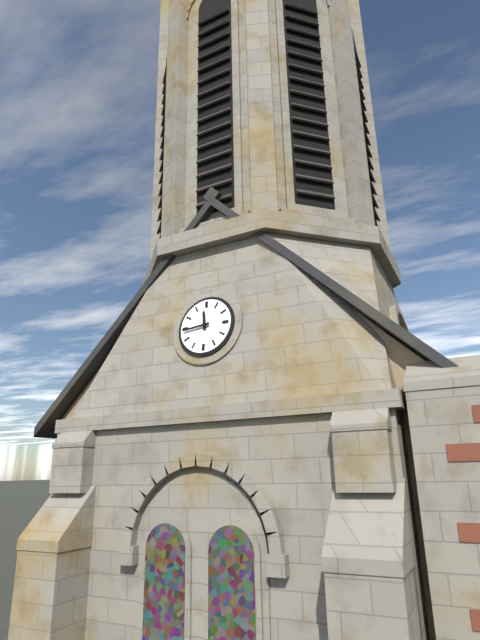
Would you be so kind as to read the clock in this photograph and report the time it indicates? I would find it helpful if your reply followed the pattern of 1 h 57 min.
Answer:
11 h 44 min
